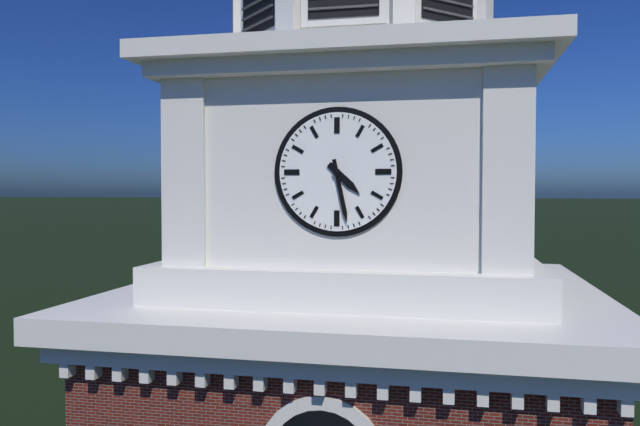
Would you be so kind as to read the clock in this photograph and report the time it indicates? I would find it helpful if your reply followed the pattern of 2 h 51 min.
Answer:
4 h 28 min
